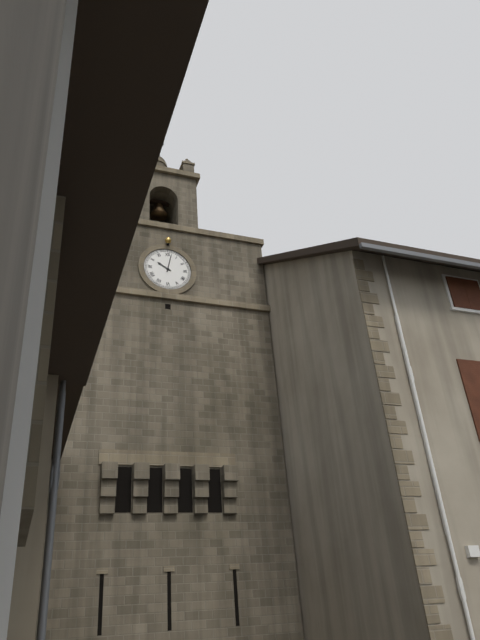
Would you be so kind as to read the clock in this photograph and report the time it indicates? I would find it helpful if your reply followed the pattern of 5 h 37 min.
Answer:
10 h 02 min
